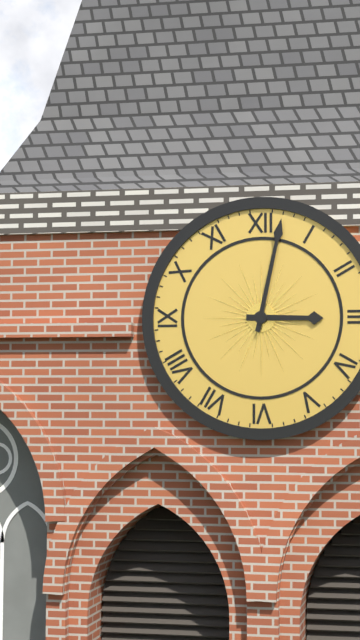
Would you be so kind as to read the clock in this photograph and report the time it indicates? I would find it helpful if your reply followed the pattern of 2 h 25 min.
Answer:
3 h 02 min
